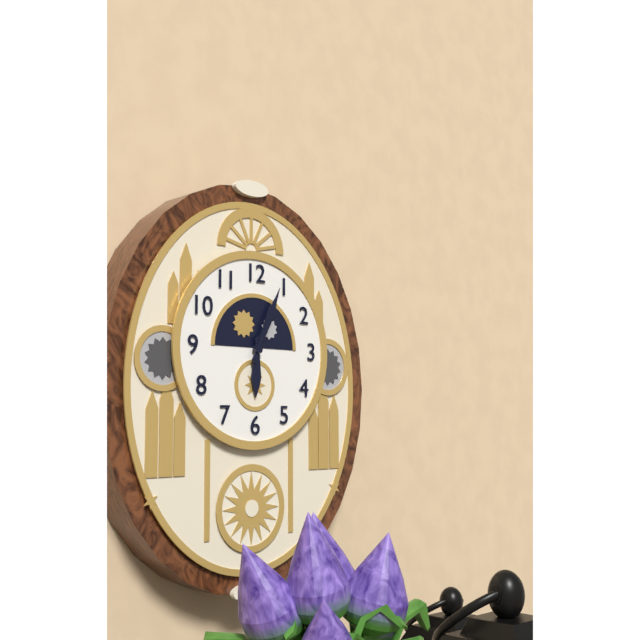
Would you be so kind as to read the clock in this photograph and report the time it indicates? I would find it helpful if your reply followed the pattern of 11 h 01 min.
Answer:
6 h 04 min
